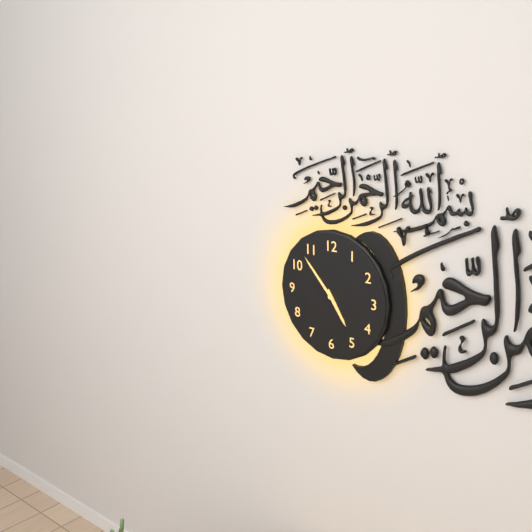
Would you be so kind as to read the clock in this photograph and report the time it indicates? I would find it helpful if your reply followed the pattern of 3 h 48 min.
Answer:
4 h 53 min
